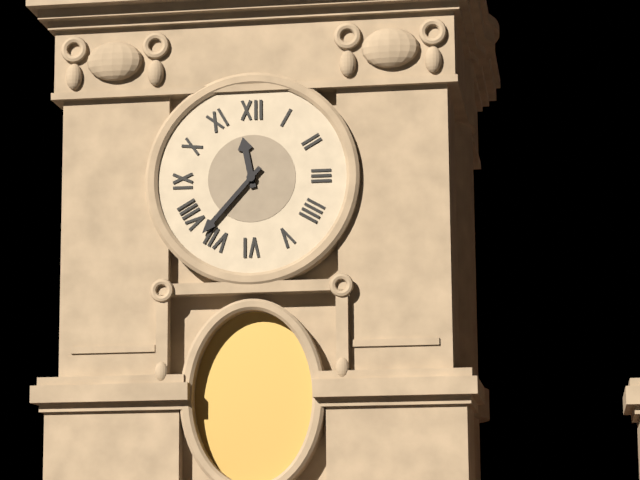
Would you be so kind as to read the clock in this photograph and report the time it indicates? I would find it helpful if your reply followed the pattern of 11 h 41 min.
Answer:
11 h 37 min
